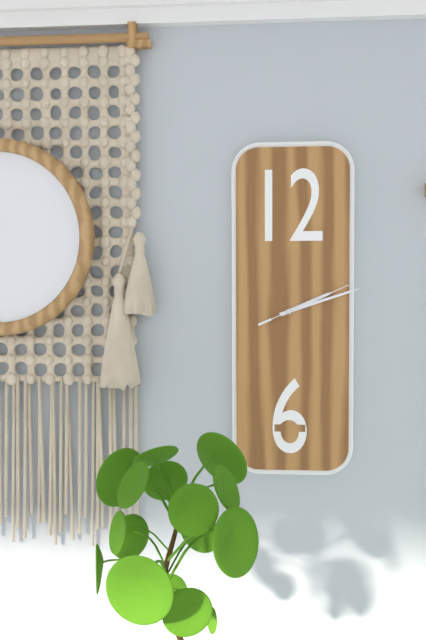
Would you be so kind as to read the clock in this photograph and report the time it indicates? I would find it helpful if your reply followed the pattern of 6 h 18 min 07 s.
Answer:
2 h 12 min 11 s
